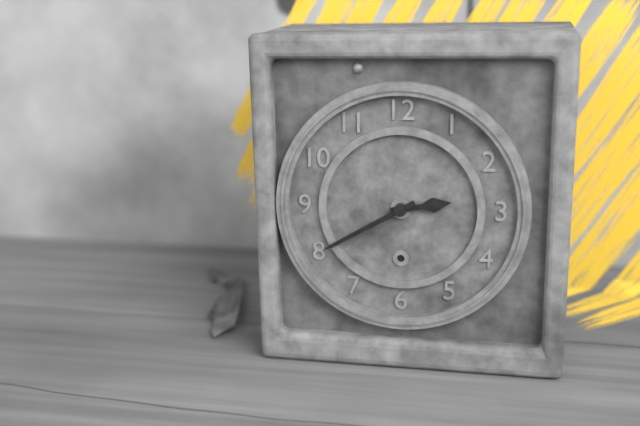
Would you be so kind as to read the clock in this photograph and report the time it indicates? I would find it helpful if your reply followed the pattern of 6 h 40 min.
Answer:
2 h 40 min
